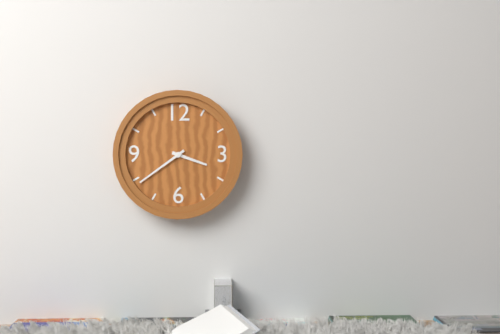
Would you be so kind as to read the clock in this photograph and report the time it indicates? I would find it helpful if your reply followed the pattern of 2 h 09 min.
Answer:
3 h 39 min
